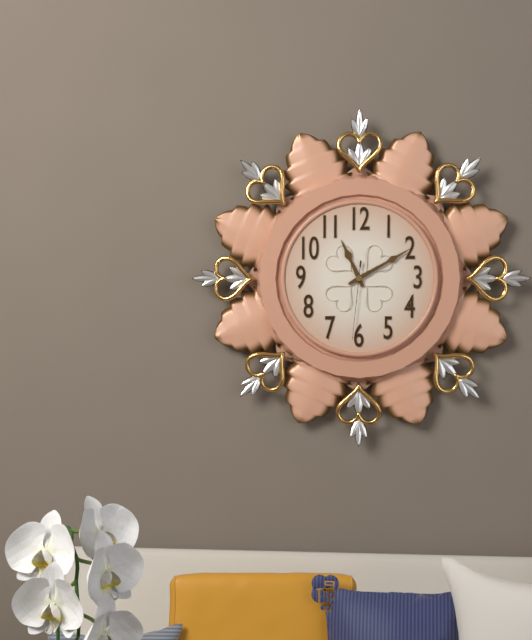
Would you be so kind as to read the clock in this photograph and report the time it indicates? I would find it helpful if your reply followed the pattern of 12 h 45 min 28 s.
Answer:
11 h 10 min 31 s
